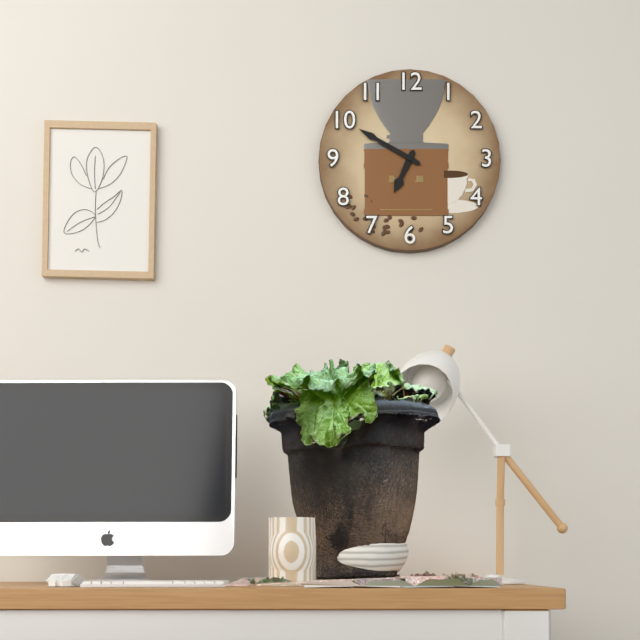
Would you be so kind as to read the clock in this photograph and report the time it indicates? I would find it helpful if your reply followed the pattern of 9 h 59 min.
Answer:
6 h 50 min
